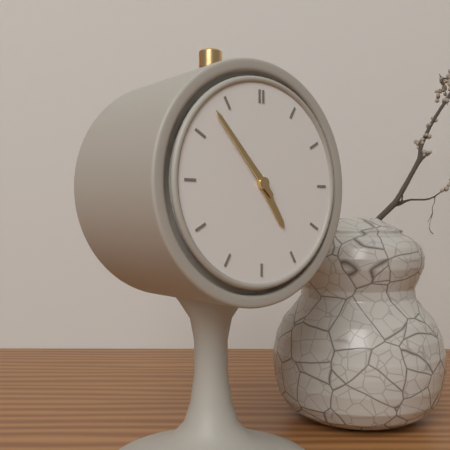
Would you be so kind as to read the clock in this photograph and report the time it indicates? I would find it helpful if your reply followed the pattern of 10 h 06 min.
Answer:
4 h 53 min
